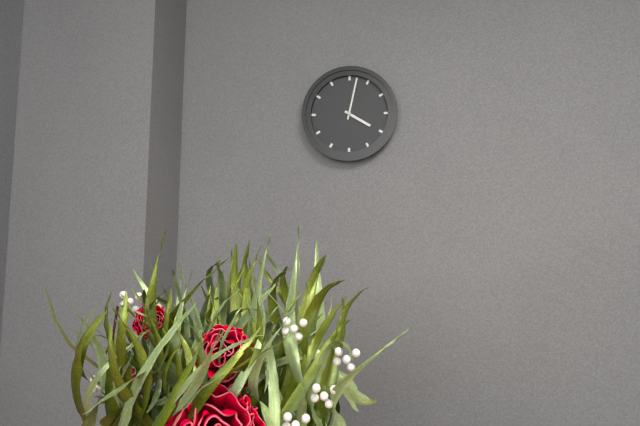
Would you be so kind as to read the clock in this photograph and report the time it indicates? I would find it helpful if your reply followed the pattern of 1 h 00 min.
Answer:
4 h 02 min
